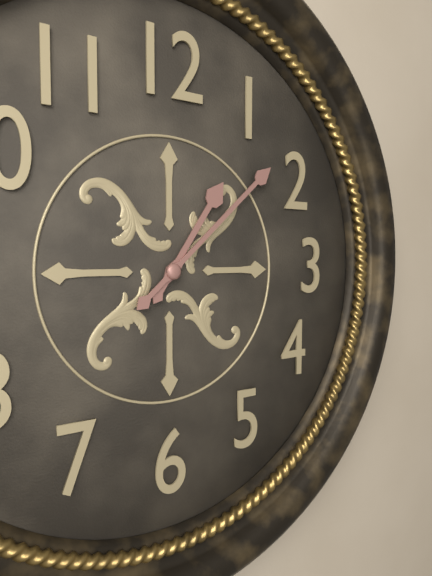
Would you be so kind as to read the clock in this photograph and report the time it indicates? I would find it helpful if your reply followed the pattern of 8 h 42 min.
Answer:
1 h 08 min
